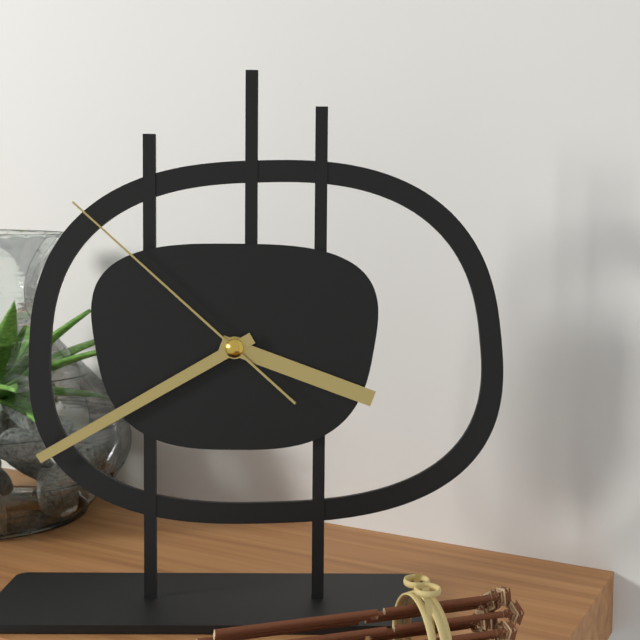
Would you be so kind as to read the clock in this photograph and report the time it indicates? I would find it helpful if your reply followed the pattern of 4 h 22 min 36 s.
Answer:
3 h 40 min 52 s
